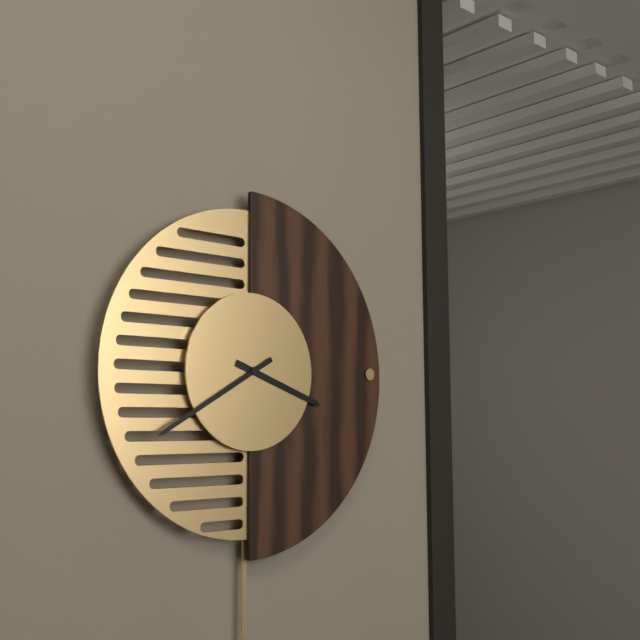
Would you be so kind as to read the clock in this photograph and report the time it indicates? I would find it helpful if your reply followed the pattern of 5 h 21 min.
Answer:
3 h 40 min
